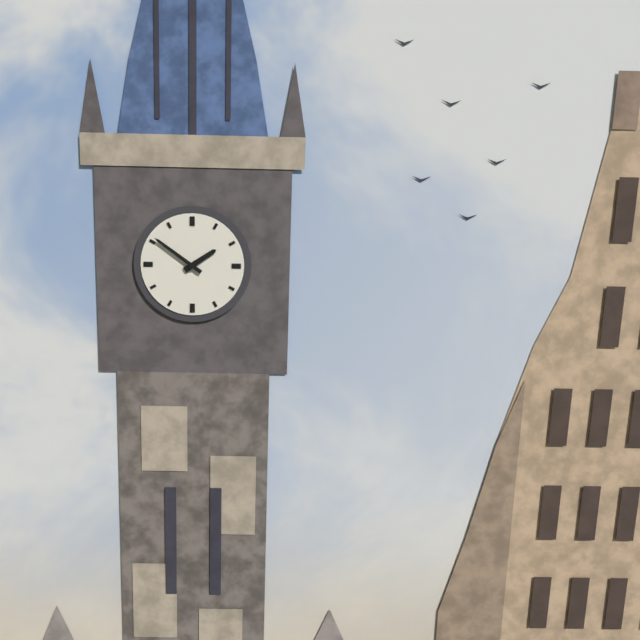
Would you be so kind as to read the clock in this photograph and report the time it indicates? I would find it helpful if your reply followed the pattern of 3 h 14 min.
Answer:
1 h 51 min
